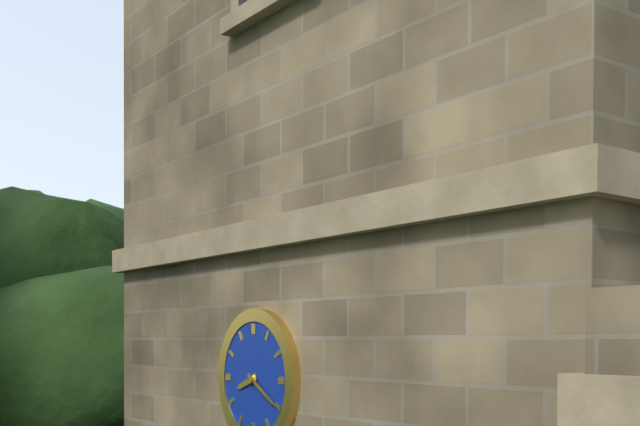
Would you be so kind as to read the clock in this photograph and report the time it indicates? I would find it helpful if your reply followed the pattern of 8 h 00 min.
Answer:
8 h 20 min
